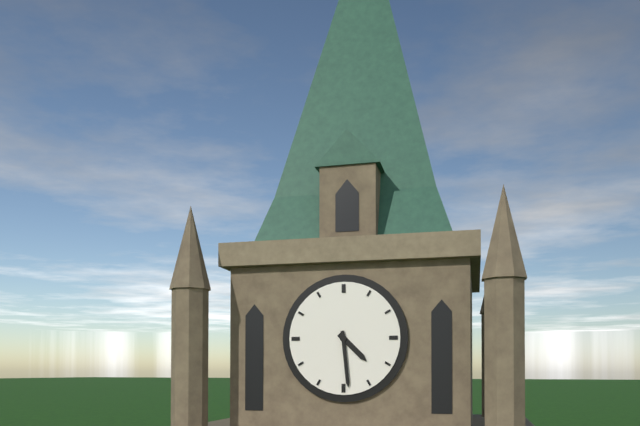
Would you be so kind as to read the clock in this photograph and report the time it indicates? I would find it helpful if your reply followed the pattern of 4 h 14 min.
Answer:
4 h 29 min
